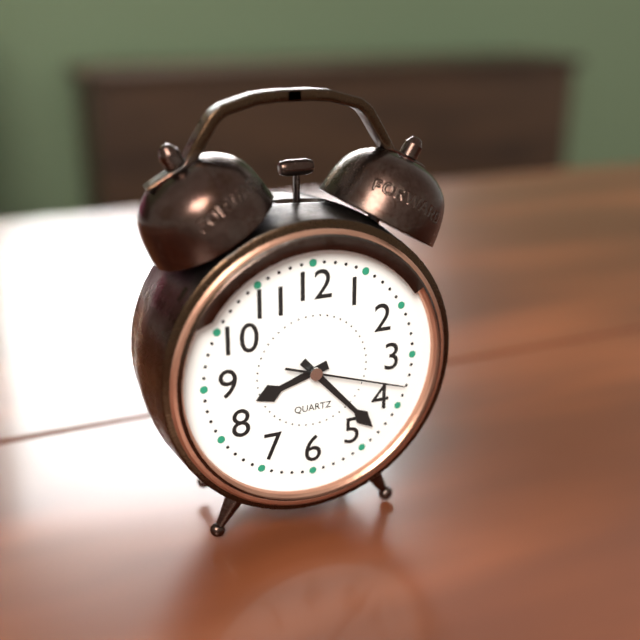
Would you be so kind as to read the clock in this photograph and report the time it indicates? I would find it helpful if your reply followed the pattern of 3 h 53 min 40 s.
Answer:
8 h 23 min 18 s
